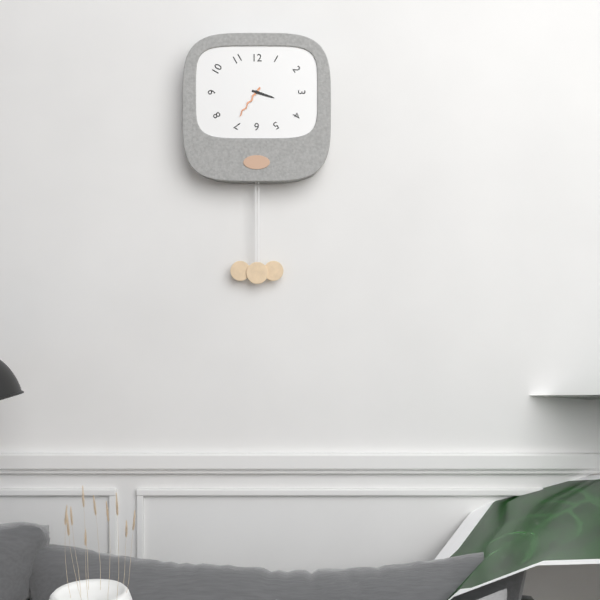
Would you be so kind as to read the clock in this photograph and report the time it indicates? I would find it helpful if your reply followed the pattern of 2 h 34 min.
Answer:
3 h 36 min
